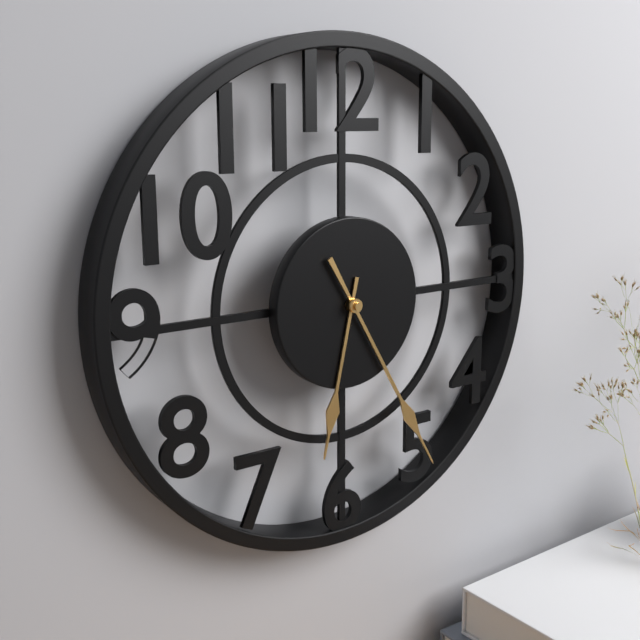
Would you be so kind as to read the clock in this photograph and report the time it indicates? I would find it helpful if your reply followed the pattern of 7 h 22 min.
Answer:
6 h 25 min
